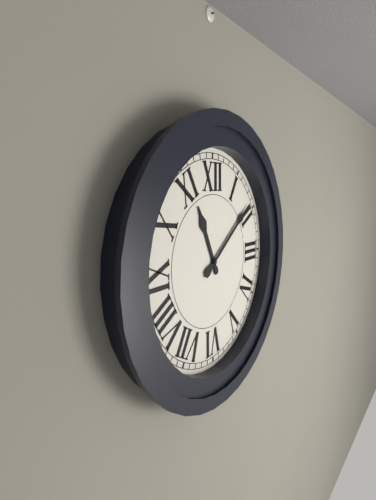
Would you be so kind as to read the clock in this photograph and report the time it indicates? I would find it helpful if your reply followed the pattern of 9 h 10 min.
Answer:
11 h 09 min
